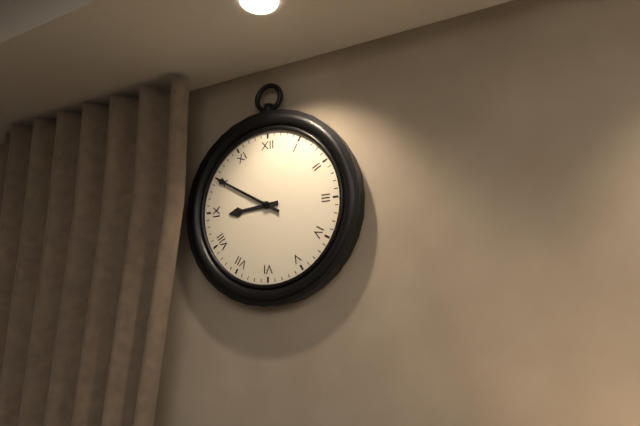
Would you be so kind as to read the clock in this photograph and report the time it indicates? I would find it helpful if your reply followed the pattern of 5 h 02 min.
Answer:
8 h 50 min
